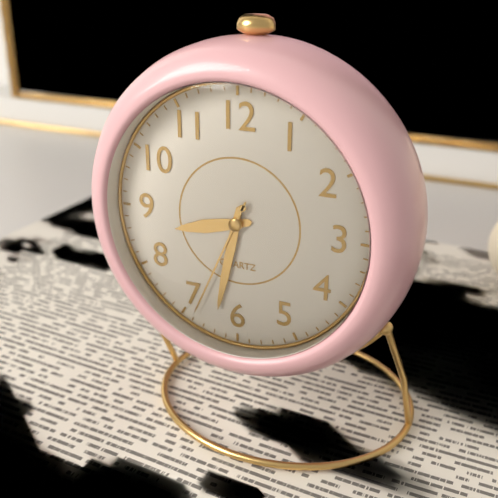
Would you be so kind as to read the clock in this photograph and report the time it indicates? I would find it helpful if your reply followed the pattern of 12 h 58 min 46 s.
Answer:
8 h 32 min 34 s
